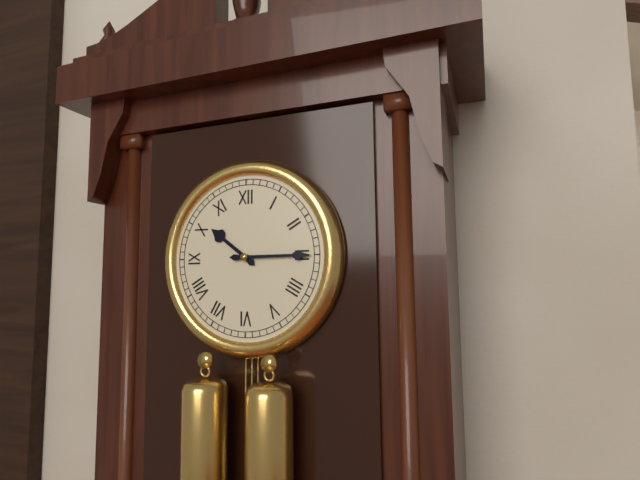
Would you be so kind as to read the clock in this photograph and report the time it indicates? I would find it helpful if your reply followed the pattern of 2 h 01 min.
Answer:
10 h 15 min
